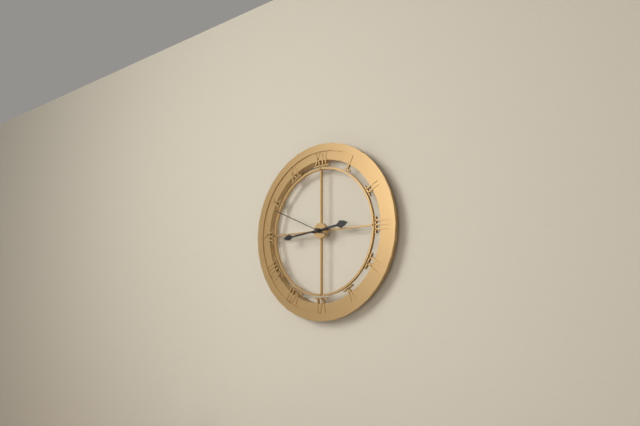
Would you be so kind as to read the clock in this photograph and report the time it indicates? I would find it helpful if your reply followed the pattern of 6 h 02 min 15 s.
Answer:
2 h 44 min 49 s
